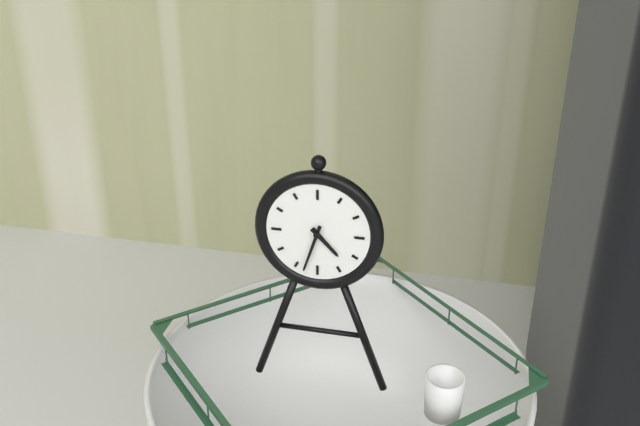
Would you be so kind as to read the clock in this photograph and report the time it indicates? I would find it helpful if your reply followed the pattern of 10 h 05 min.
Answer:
4 h 33 min
